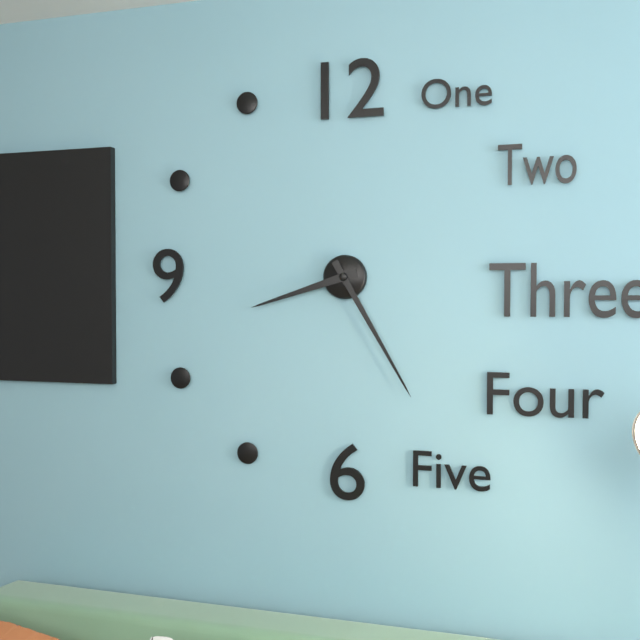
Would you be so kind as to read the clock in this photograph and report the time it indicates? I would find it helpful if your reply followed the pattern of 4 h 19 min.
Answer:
8 h 25 min
